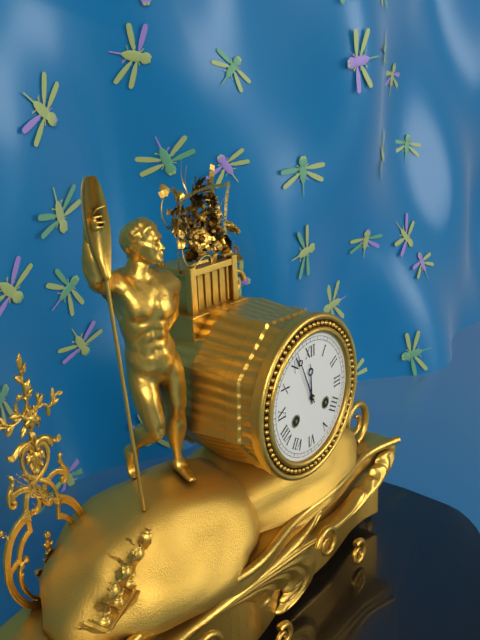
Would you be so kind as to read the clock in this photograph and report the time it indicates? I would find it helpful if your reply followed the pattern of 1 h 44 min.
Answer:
11 h 56 min
